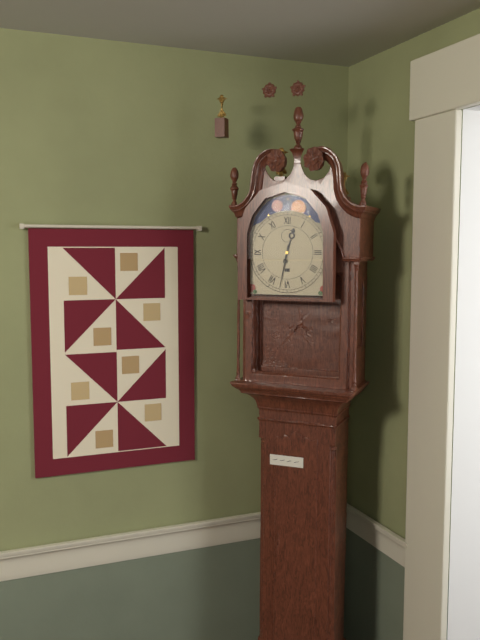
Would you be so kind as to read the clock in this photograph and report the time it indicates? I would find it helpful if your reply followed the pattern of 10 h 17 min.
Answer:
12 h 32 min
